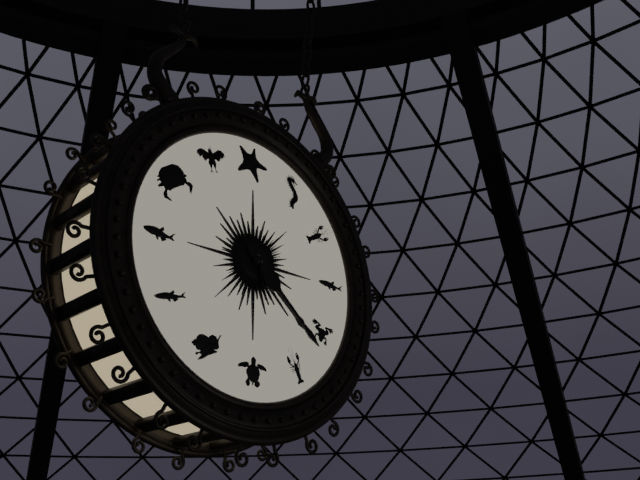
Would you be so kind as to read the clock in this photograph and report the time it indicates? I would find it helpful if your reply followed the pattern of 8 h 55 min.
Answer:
4 h 22 min
